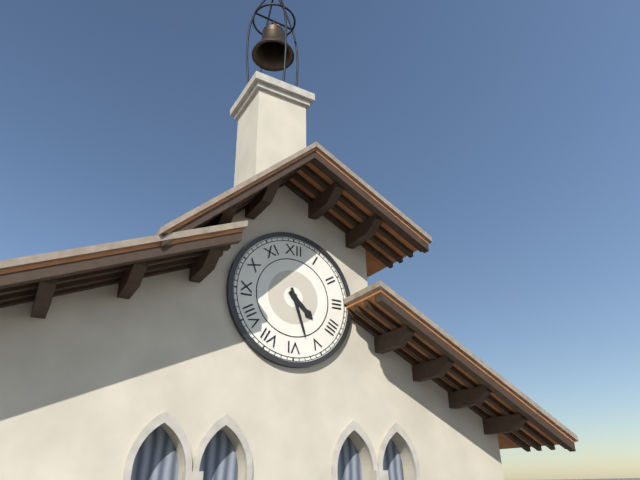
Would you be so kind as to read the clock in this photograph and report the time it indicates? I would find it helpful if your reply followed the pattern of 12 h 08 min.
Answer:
4 h 27 min
